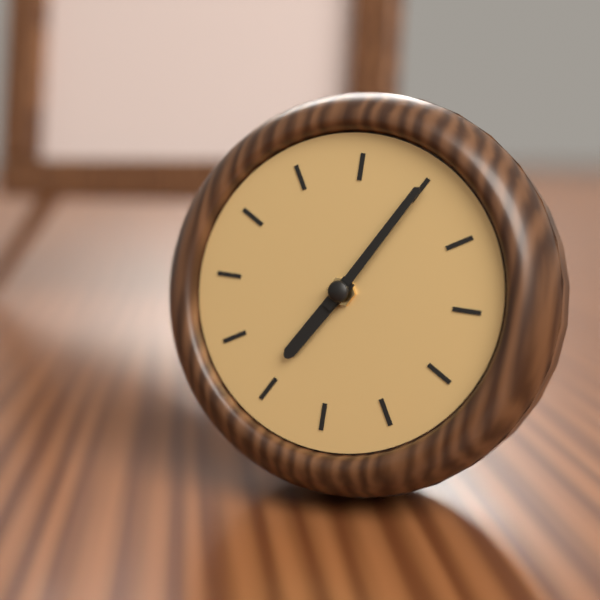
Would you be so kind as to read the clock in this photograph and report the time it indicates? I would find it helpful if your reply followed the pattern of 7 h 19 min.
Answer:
7 h 05 min
